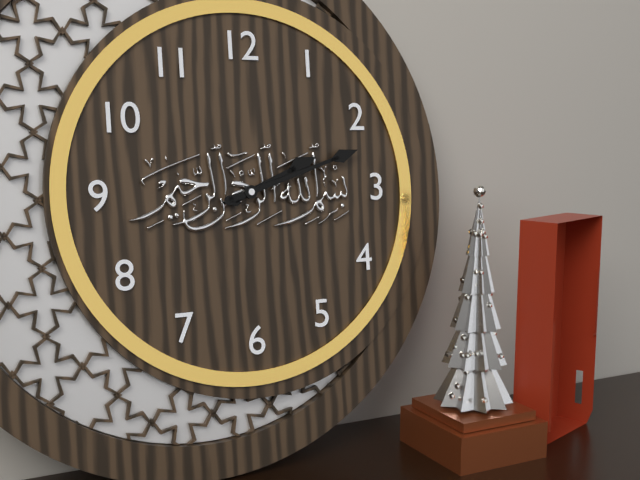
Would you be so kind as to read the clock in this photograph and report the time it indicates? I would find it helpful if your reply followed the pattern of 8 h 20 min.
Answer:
2 h 12 min
